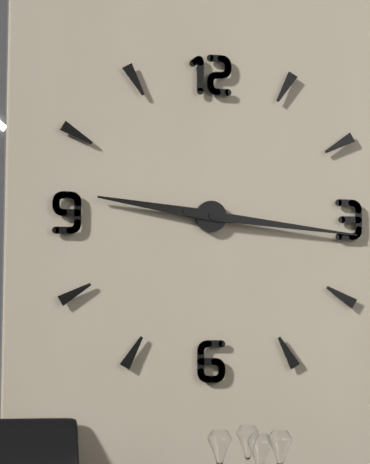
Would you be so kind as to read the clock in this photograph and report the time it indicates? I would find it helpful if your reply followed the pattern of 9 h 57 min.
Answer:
9 h 16 min
